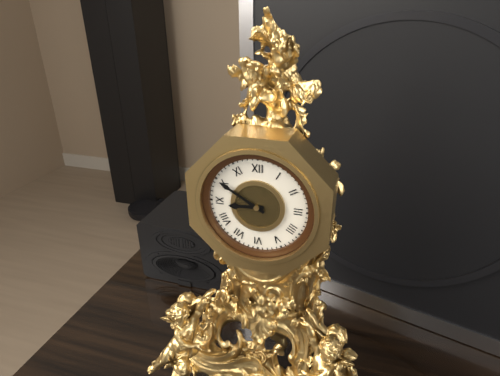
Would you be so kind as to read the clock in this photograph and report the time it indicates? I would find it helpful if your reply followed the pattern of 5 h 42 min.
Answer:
8 h 50 min
